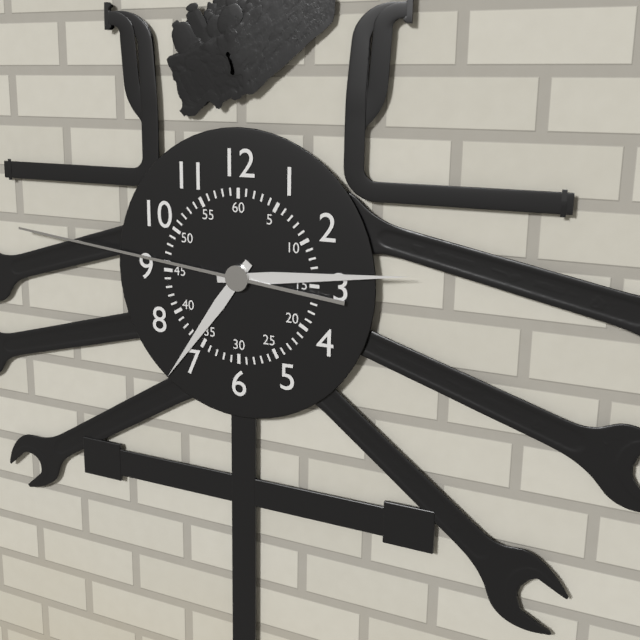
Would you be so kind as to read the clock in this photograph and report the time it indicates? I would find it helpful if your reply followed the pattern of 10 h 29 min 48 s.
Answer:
7 h 14 min 46 s
